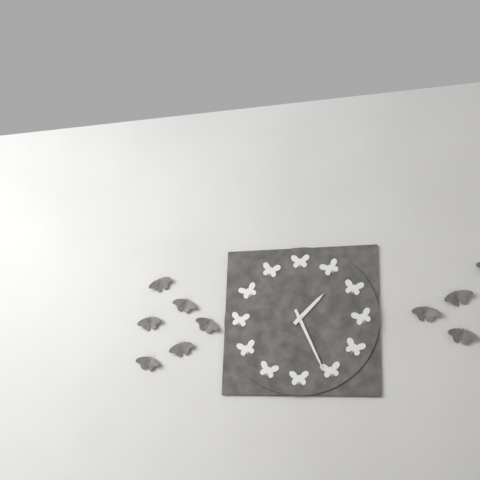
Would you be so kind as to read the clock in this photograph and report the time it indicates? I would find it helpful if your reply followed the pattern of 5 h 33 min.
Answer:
1 h 26 min
